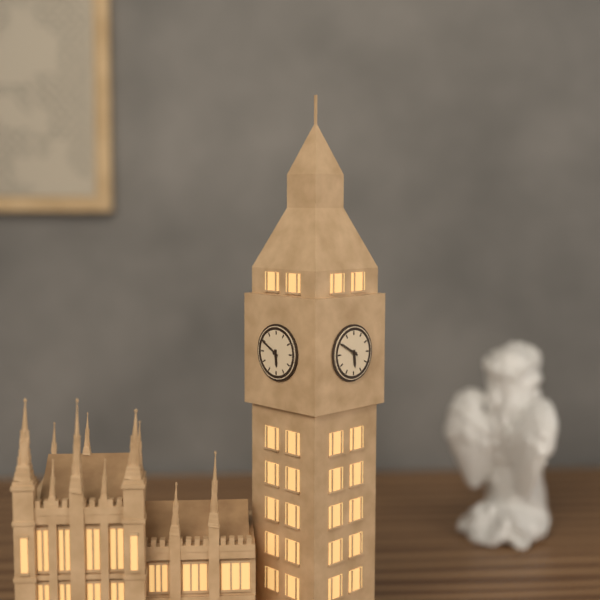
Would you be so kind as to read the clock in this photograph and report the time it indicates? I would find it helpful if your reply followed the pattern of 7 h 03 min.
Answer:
5 h 50 min
